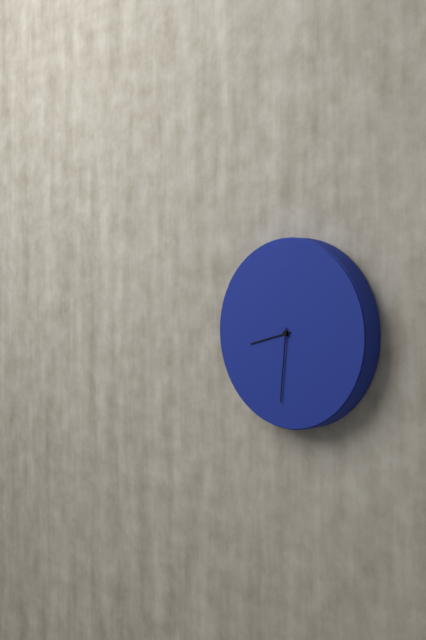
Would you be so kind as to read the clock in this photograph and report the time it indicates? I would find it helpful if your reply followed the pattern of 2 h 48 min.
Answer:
8 h 31 min
